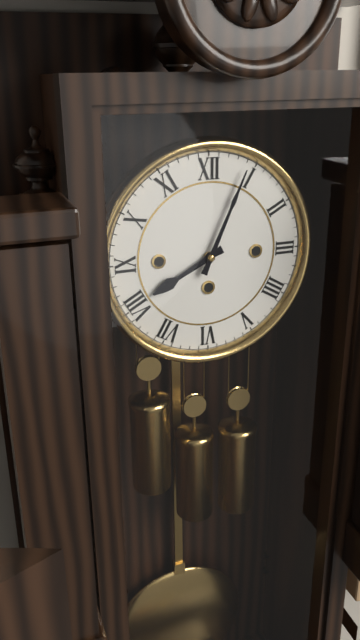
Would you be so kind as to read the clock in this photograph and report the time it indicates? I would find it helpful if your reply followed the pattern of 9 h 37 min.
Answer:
8 h 04 min
